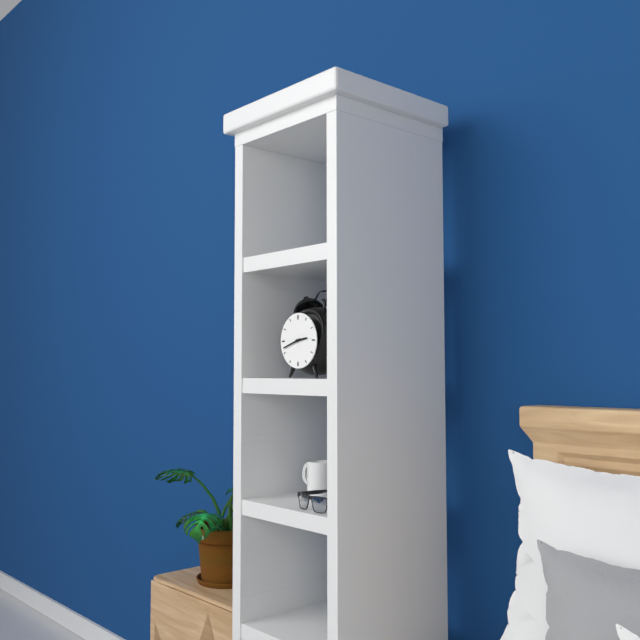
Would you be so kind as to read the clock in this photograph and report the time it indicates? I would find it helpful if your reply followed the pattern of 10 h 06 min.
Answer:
2 h 42 min
